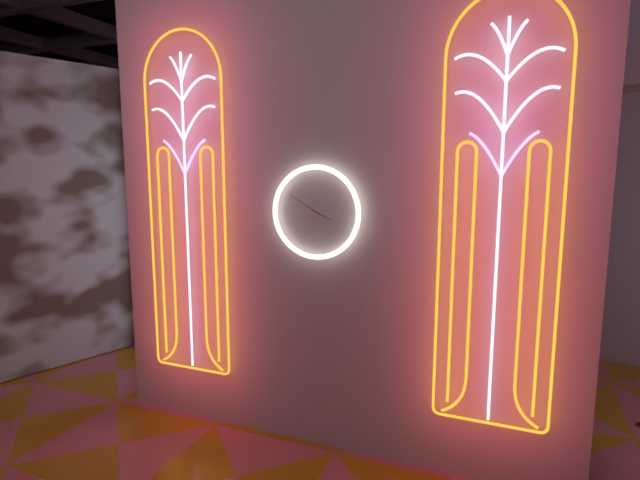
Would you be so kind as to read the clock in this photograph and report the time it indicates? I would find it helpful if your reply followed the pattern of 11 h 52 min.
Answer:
3 h 50 min
